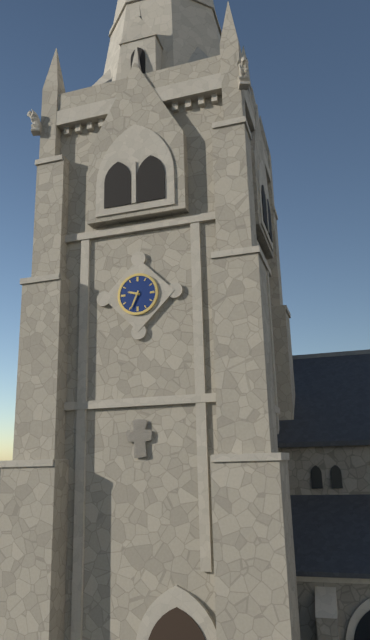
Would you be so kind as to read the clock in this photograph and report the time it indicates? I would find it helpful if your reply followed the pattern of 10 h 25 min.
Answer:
9 h 34 min
